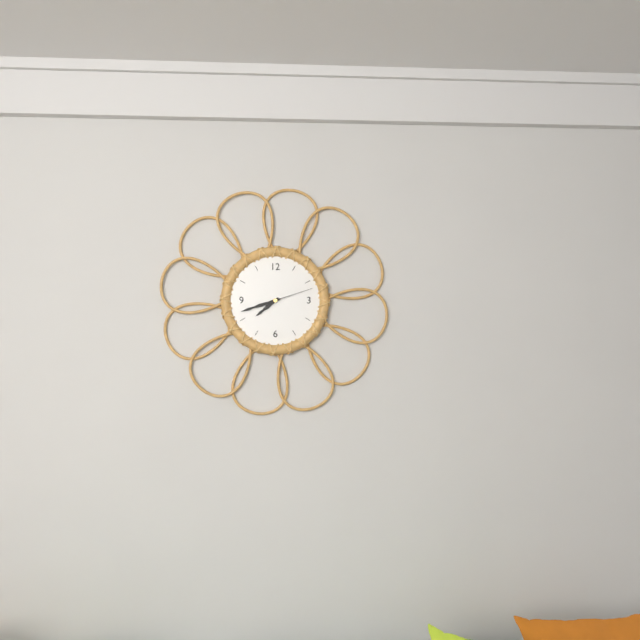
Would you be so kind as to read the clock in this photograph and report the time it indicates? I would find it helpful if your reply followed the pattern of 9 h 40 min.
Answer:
7 h 42 min
